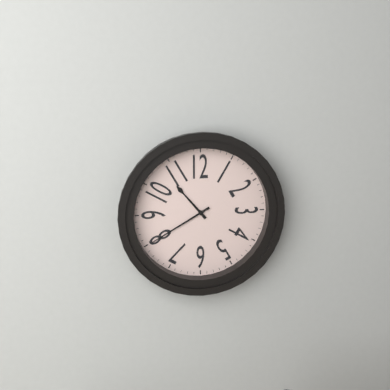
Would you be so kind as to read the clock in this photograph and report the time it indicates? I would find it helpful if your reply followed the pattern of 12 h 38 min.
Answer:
10 h 40 min
